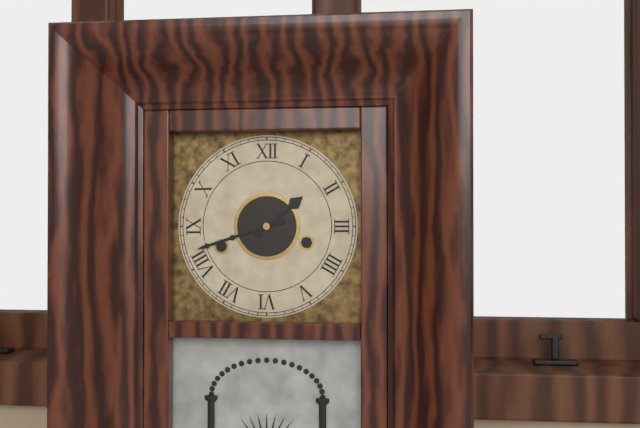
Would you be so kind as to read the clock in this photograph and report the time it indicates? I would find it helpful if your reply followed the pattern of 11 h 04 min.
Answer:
1 h 42 min
